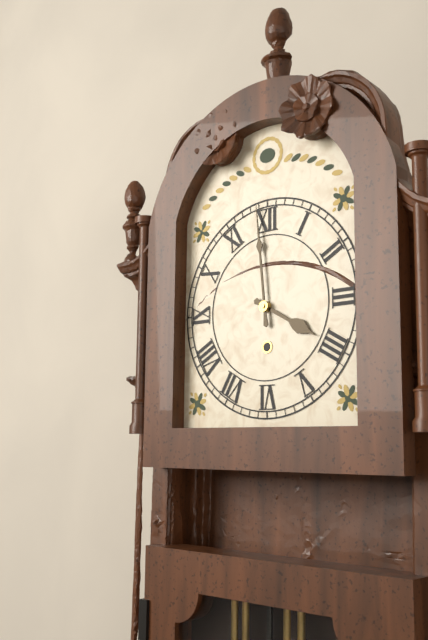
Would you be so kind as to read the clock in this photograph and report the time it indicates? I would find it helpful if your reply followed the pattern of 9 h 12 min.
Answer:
3 h 59 min
